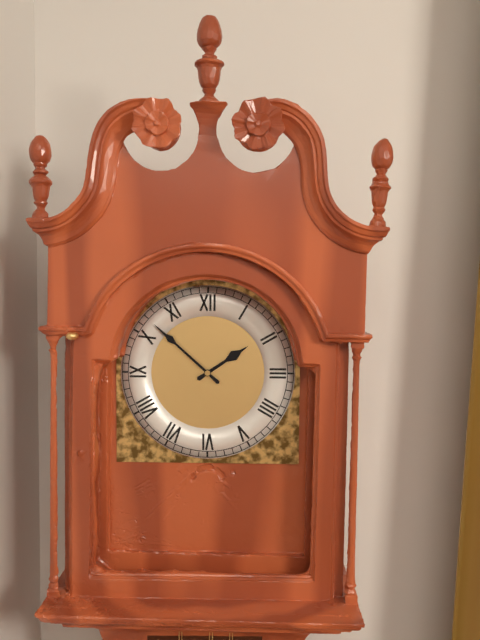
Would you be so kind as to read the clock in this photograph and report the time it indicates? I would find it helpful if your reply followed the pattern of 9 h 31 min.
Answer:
1 h 52 min
